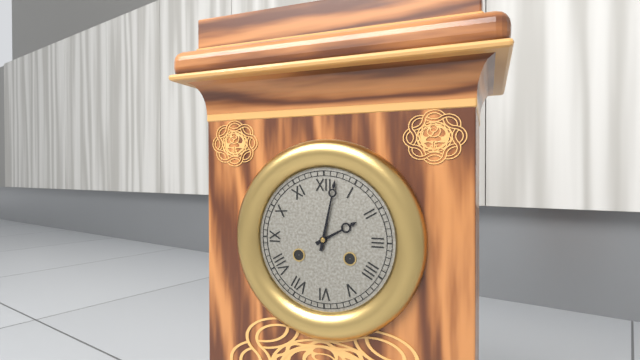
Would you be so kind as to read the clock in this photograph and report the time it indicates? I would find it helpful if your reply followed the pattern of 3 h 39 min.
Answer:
2 h 02 min
